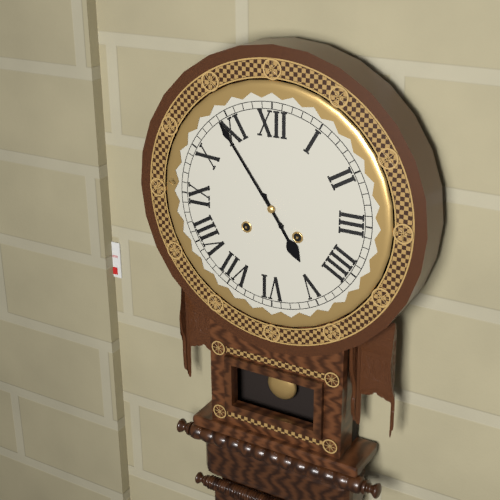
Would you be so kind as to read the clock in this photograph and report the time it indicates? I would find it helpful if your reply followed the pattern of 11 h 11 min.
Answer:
4 h 54 min
